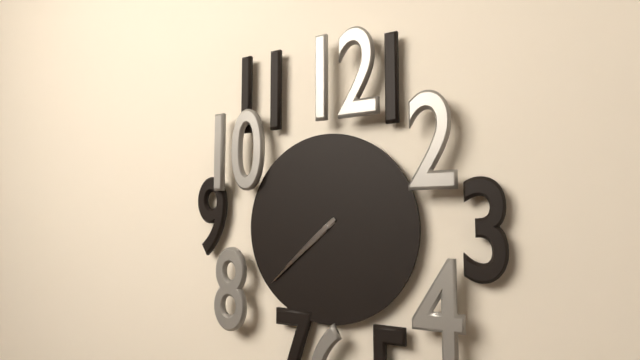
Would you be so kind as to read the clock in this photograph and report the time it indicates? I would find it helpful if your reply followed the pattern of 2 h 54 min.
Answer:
7 h 38 min
